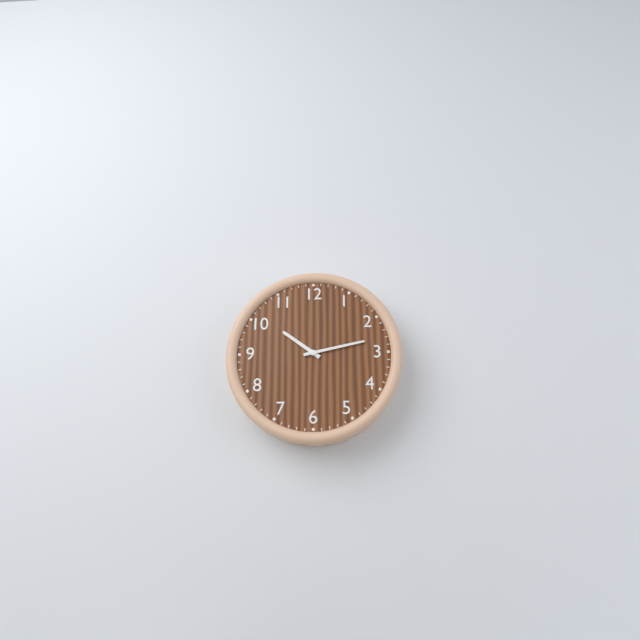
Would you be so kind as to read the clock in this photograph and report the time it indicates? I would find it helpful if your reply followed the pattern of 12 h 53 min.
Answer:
10 h 13 min
